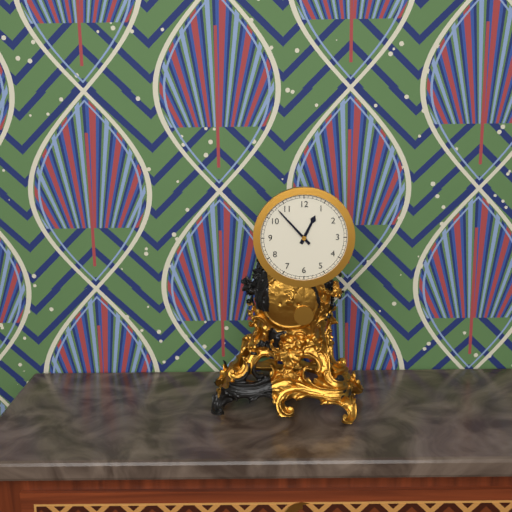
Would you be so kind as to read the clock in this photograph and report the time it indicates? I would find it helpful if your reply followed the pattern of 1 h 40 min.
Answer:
12 h 53 min
